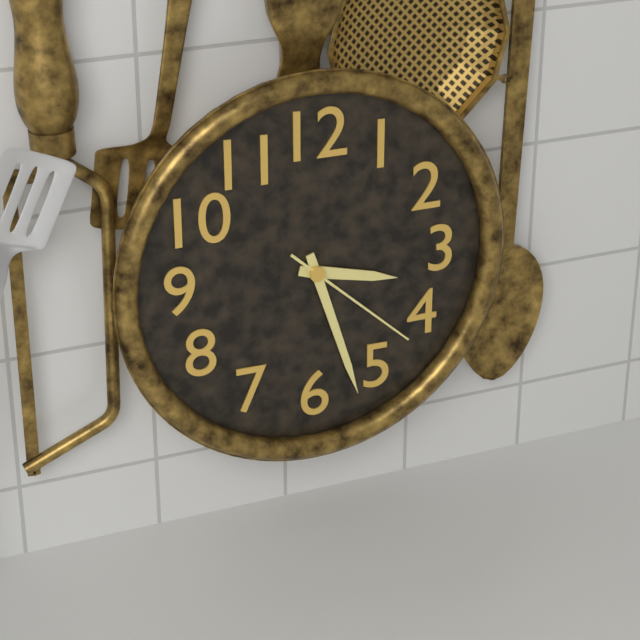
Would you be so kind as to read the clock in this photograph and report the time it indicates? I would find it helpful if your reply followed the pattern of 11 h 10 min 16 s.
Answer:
3 h 27 min 22 s
